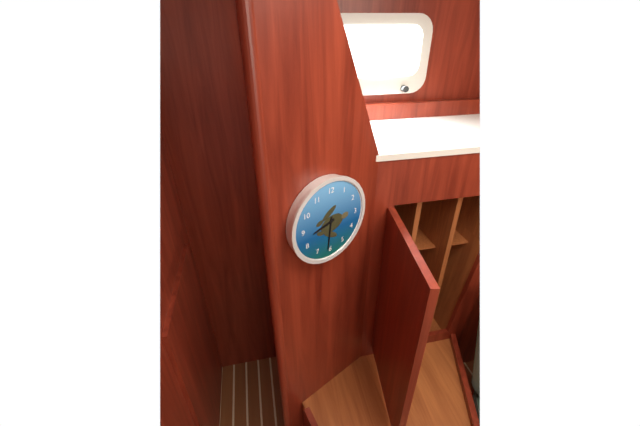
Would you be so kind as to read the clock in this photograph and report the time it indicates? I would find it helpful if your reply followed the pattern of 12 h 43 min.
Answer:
8 h 31 min
